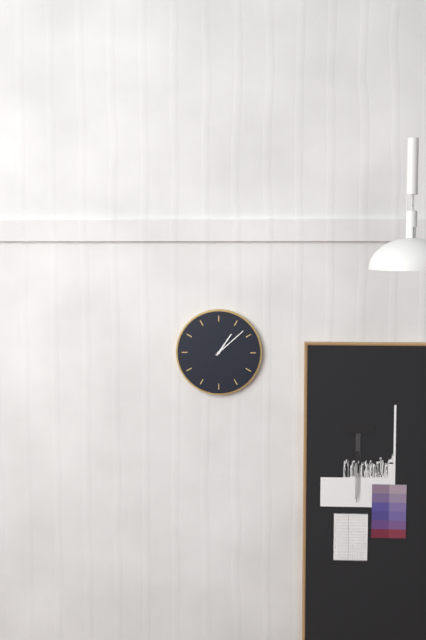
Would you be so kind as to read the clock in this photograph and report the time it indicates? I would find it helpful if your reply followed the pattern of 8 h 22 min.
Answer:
1 h 08 min
